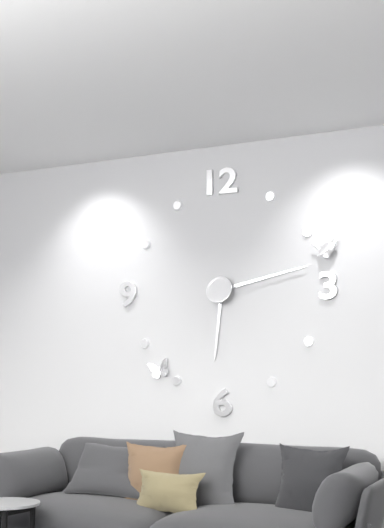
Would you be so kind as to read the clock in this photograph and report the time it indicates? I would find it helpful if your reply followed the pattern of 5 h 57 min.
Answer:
6 h 13 min
